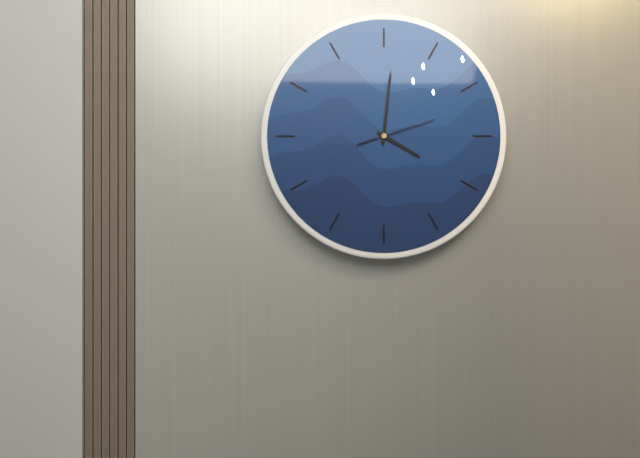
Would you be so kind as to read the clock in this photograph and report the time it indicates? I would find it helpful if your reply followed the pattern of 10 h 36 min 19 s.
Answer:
4 h 01 min 12 s
